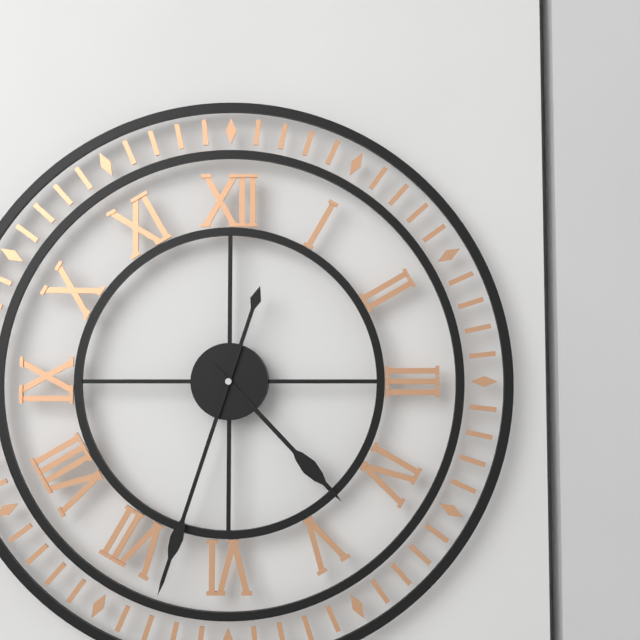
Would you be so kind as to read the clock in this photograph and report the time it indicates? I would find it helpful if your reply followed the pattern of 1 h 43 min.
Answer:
4 h 33 min
